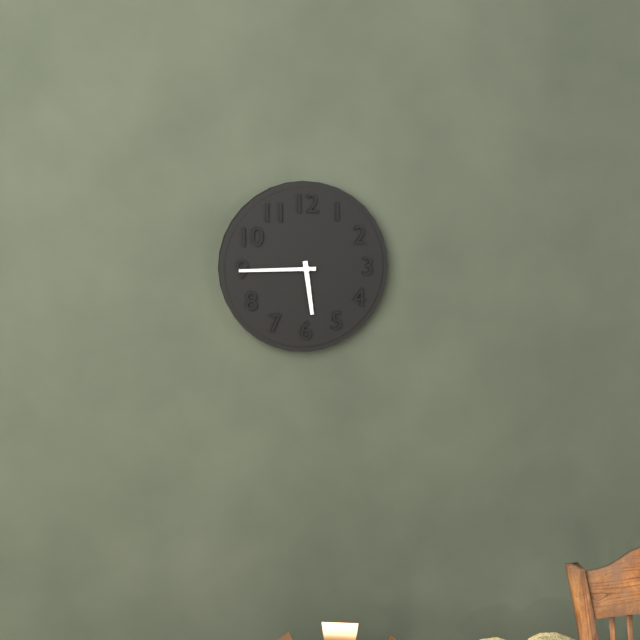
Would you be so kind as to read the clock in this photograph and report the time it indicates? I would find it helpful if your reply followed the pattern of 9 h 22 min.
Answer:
5 h 45 min
